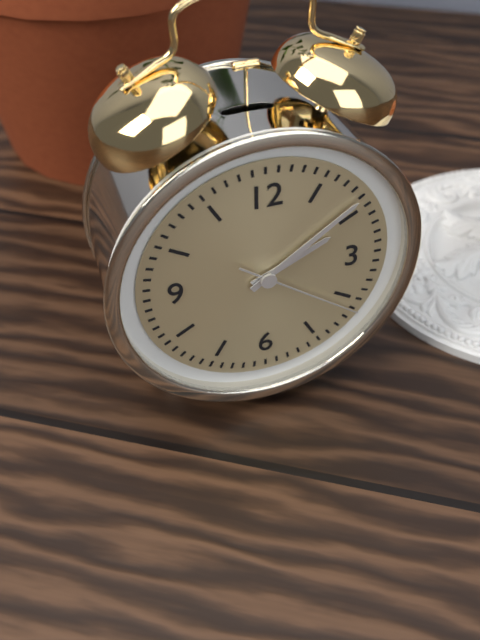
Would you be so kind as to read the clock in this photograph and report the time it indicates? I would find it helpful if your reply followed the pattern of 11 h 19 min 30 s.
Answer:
2 h 09 min 21 s
